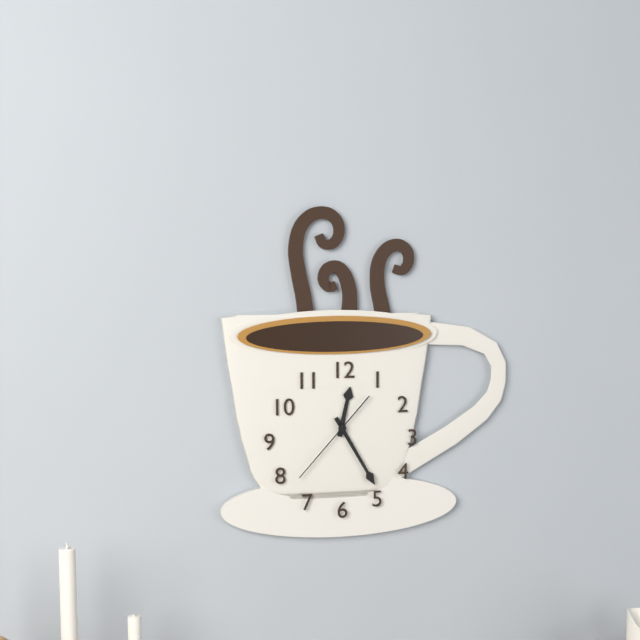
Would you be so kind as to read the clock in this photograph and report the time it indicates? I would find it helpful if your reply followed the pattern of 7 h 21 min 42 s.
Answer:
12 h 25 min 37 s
